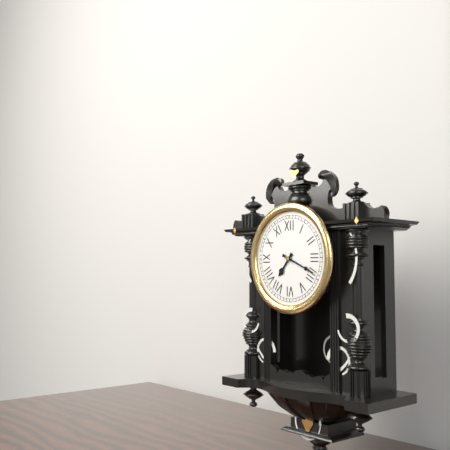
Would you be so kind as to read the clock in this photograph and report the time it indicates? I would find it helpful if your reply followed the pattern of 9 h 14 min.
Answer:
7 h 19 min
